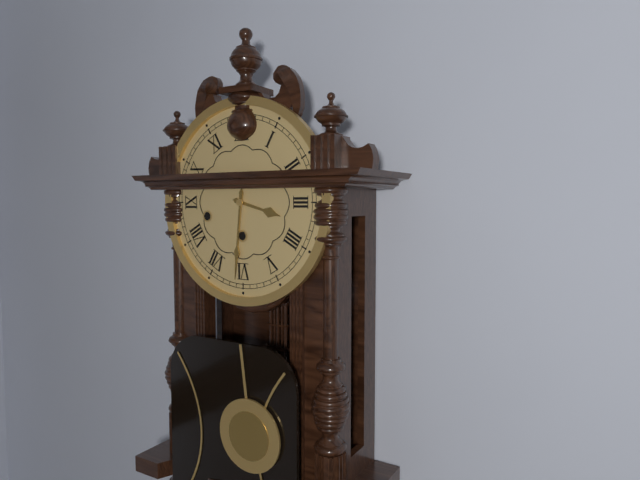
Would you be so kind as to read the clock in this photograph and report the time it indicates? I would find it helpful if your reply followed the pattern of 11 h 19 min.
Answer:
3 h 31 min
